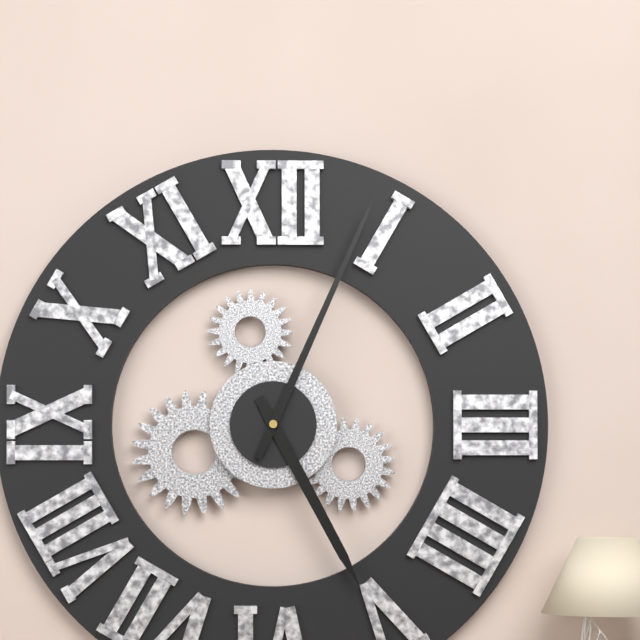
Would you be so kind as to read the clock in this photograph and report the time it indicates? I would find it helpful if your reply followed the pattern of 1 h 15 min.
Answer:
5 h 04 min
